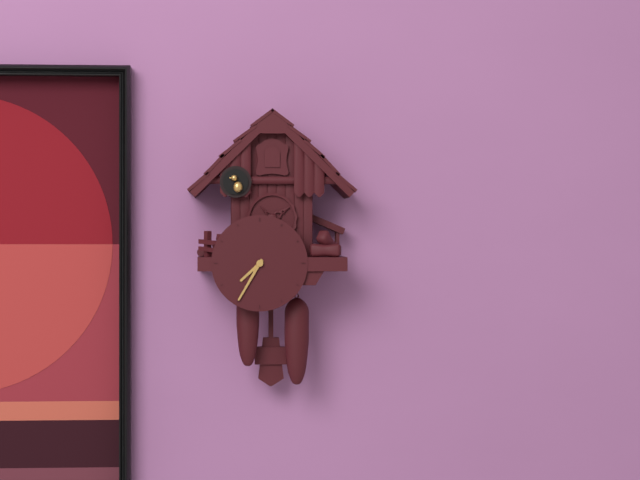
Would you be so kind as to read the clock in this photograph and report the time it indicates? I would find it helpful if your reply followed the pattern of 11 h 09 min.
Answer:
7 h 35 min
